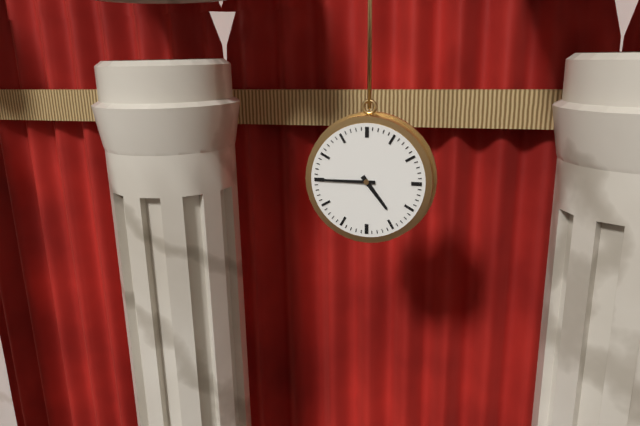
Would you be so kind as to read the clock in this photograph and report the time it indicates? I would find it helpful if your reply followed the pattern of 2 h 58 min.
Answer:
4 h 45 min
